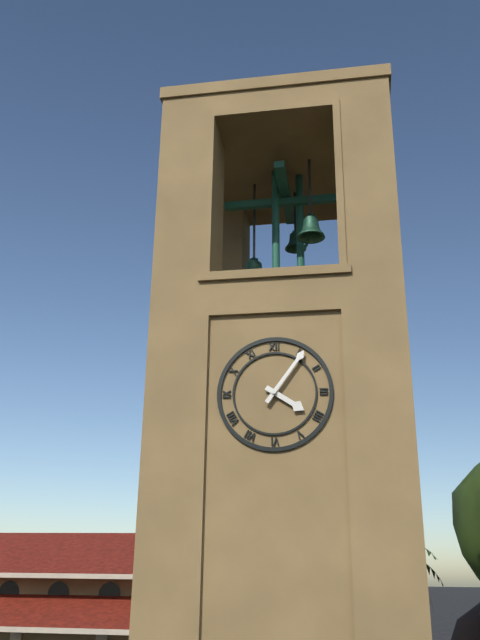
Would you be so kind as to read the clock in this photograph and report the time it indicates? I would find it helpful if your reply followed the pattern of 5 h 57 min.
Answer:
4 h 06 min
